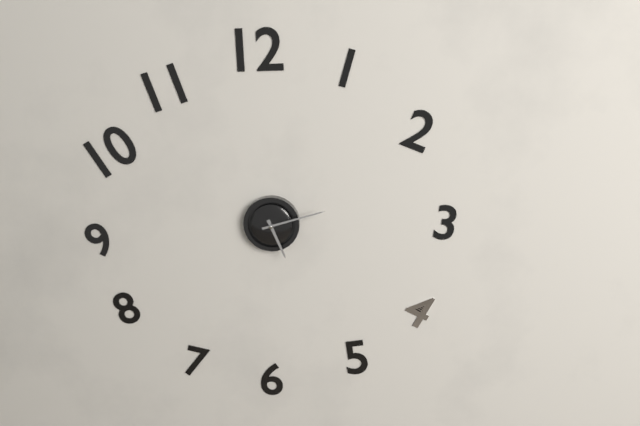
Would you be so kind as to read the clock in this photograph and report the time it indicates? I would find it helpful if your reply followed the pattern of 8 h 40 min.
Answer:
5 h 12 min
